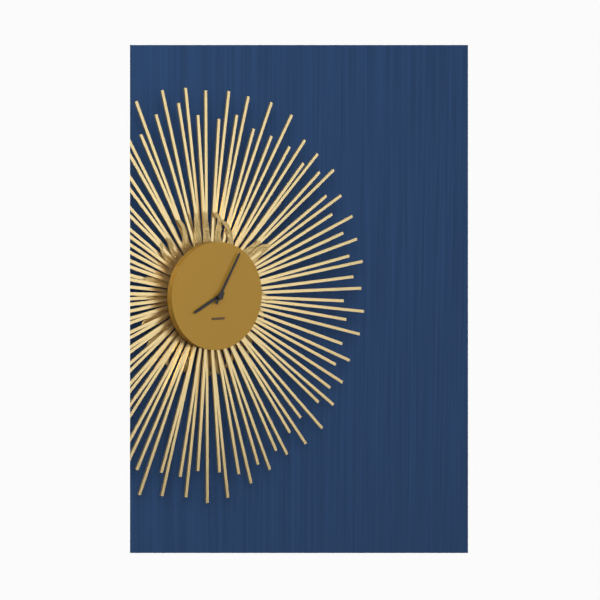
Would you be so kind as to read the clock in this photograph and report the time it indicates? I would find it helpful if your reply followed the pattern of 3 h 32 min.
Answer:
8 h 05 min
